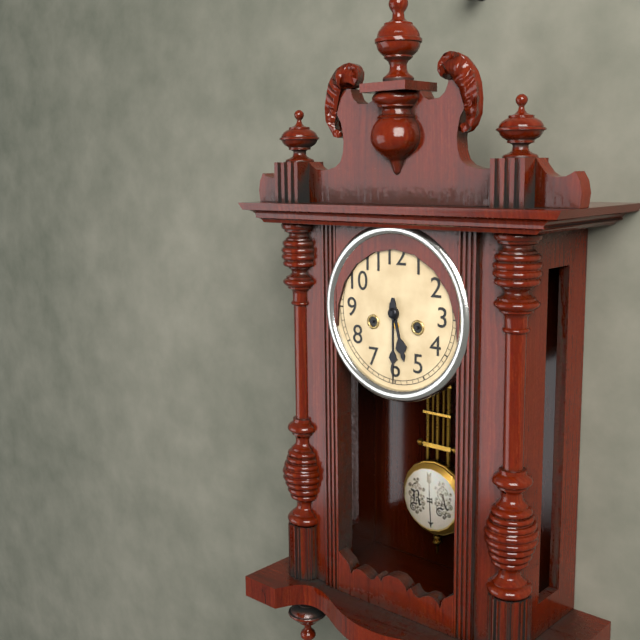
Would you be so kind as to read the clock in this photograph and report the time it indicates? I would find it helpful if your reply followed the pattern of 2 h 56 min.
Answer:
5 h 30 min
